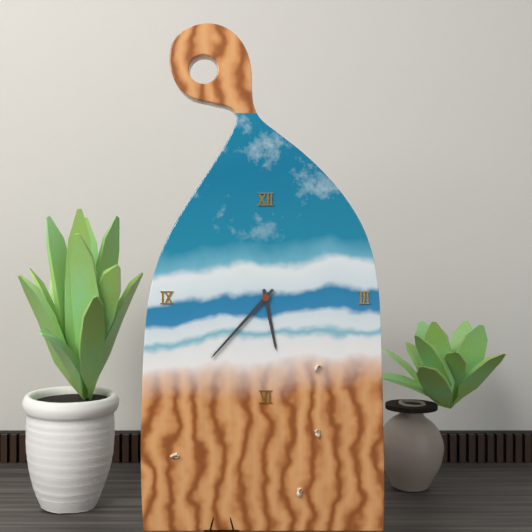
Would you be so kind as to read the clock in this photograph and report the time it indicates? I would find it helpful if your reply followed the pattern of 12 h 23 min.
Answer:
5 h 37 min
